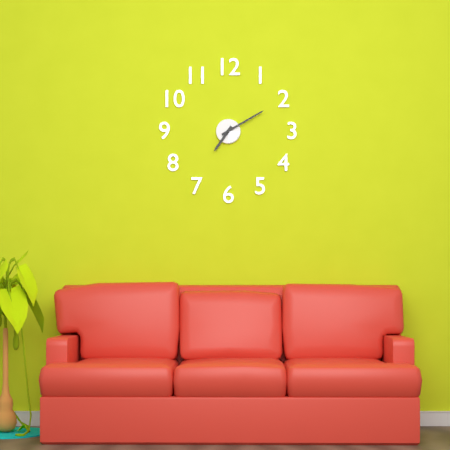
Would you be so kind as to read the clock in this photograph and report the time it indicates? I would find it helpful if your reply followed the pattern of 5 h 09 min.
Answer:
7 h 10 min
